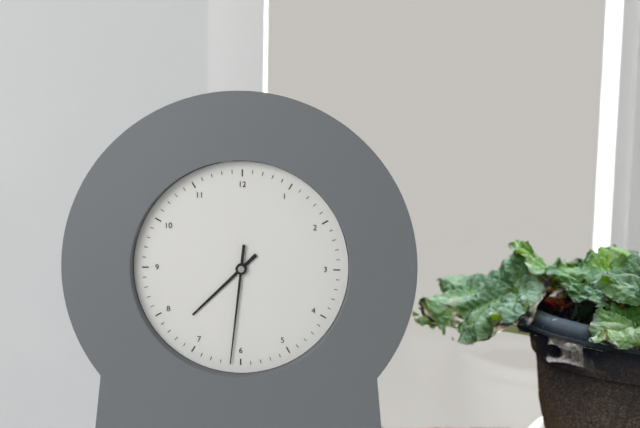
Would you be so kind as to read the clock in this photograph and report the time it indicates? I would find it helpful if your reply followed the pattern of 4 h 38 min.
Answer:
7 h 31 min
